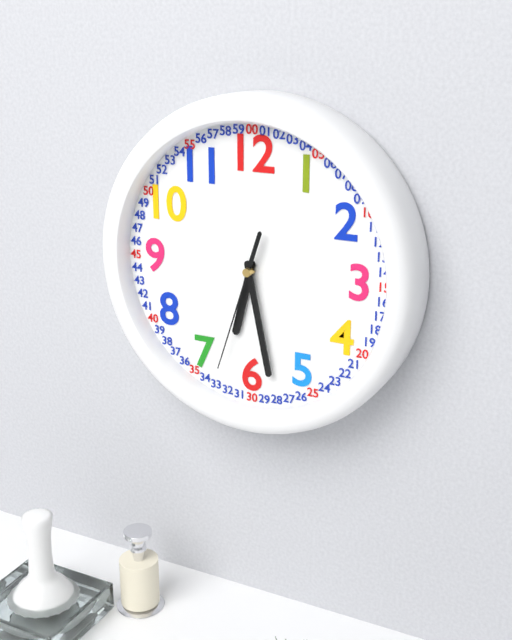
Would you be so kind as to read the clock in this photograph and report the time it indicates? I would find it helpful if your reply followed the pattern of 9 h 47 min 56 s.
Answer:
6 h 28 min 33 s
